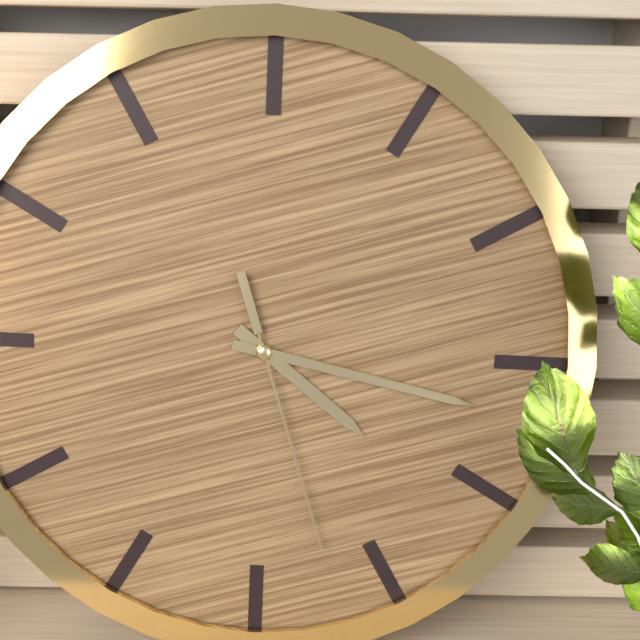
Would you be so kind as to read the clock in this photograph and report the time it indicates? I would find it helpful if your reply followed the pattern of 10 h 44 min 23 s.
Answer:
4 h 17 min 27 s
